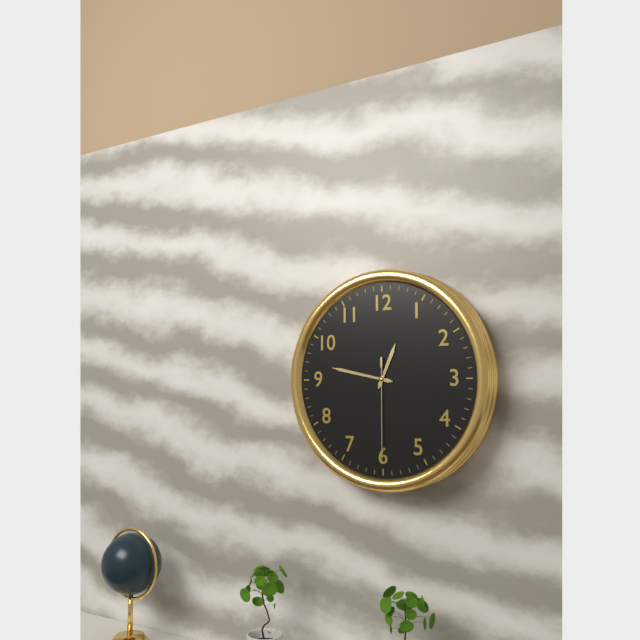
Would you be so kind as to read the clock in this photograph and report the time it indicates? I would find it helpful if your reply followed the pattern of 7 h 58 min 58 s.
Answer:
12 h 47 min 30 s
